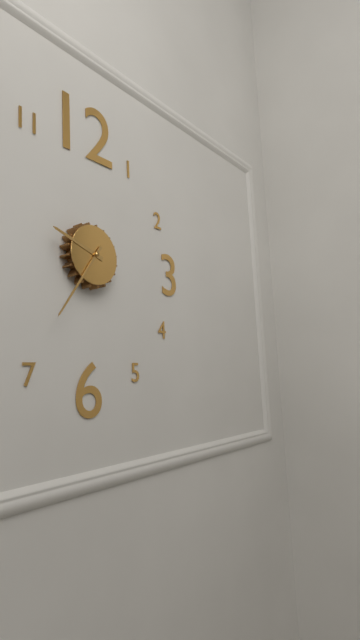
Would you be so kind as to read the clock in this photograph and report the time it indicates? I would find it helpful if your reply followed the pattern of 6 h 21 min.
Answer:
9 h 36 min
